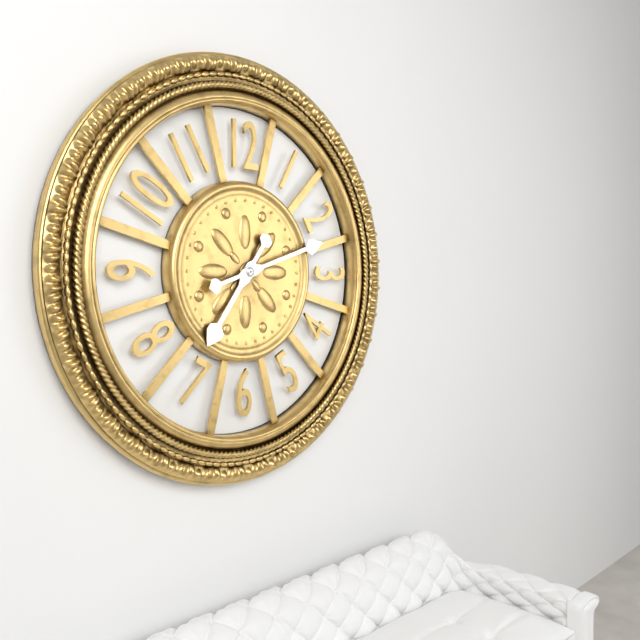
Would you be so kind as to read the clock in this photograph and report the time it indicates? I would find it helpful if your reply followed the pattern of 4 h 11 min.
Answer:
7 h 12 min
